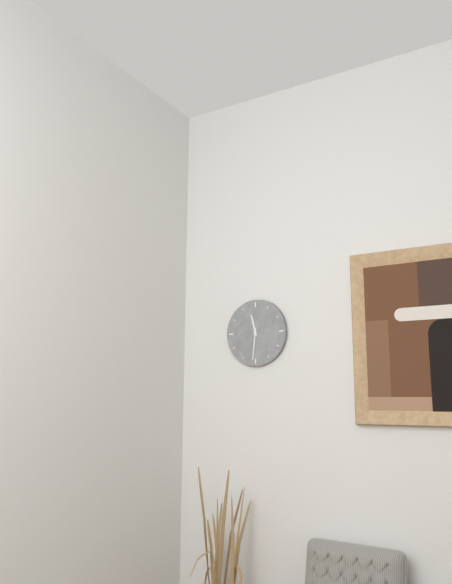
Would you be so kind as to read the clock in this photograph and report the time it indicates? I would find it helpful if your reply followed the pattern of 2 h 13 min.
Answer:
11 h 31 min
